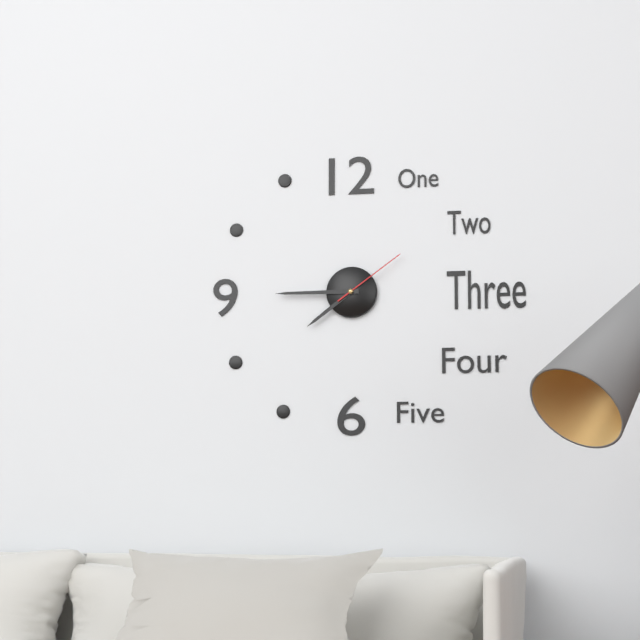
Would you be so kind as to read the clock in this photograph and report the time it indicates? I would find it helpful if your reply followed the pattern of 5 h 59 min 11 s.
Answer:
7 h 45 min 09 s
